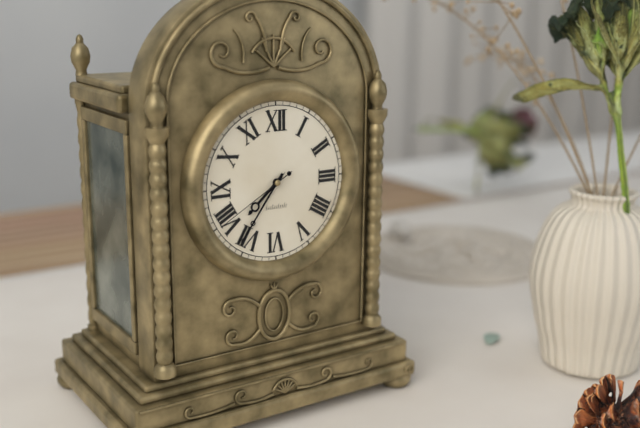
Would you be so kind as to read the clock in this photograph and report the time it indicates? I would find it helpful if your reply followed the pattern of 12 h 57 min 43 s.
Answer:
7 h 36 min 40 s
